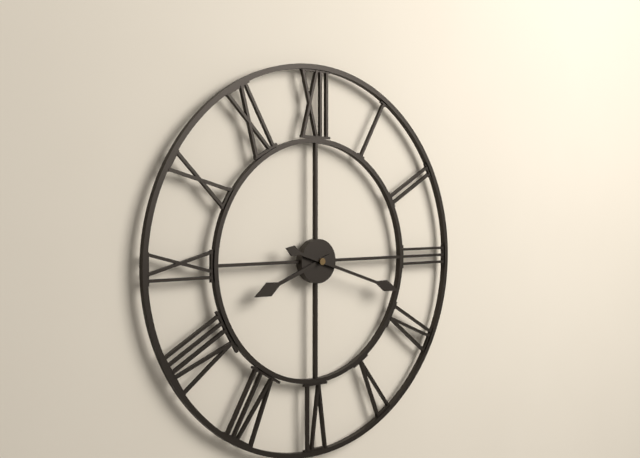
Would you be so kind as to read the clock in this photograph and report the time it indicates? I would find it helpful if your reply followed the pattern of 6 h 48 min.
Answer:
8 h 18 min
